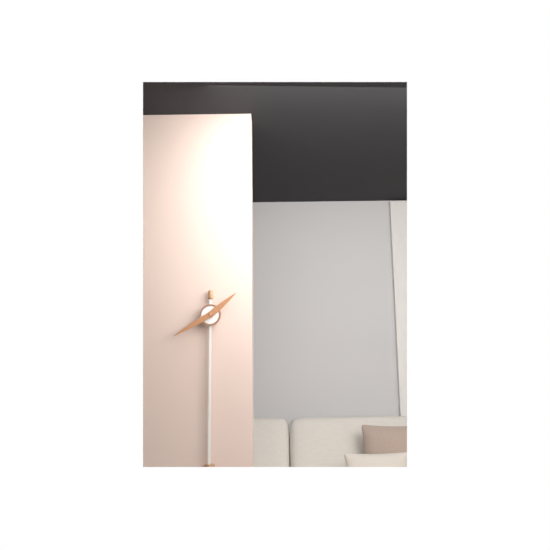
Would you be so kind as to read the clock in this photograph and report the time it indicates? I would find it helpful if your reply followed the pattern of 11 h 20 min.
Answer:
1 h 40 min
